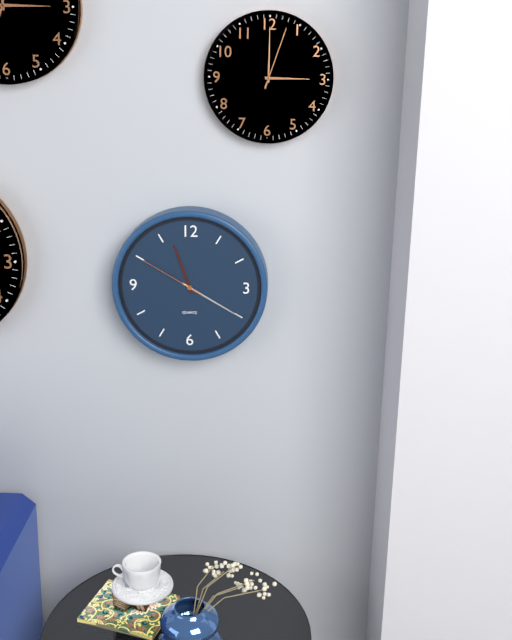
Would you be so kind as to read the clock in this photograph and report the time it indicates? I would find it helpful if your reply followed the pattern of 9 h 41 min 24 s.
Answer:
11 h 20 min 50 s
